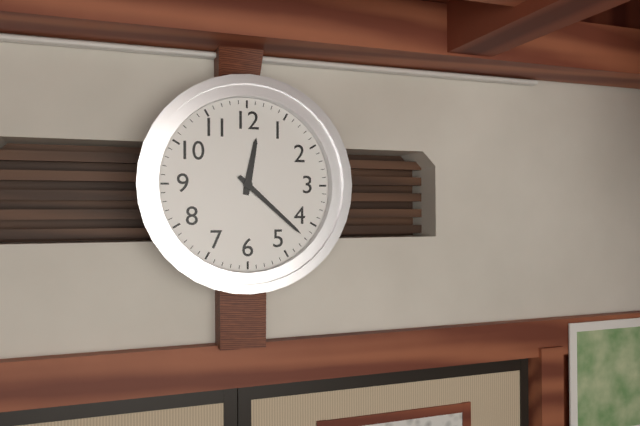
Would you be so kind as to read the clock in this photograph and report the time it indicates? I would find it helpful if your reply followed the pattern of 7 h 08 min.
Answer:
12 h 22 min
